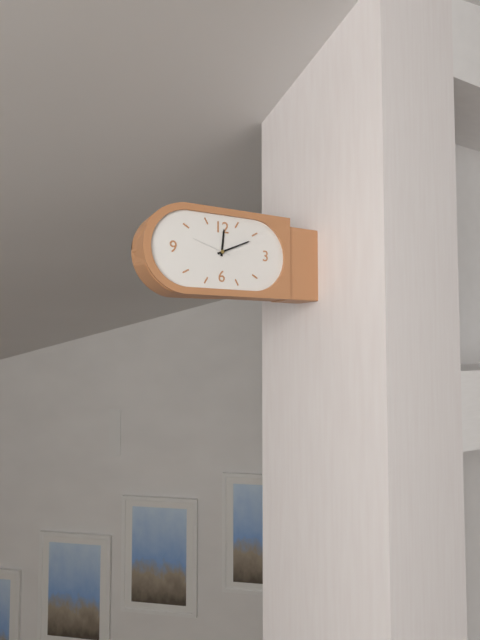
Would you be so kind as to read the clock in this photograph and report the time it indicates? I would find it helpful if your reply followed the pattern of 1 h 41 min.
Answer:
12 h 11 min
